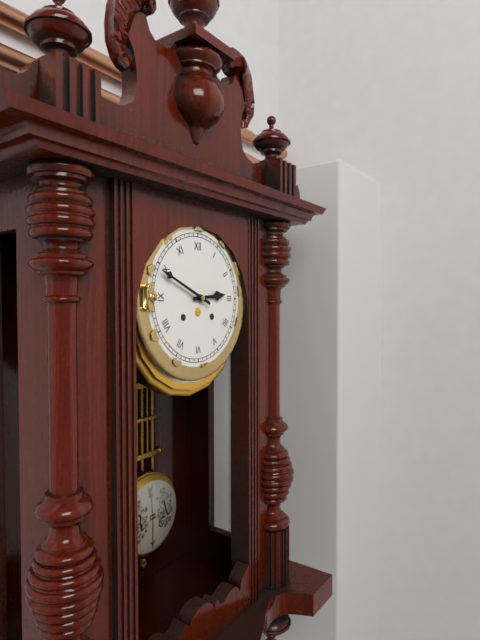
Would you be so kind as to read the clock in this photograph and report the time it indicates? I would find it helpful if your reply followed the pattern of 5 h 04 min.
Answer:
2 h 49 min
